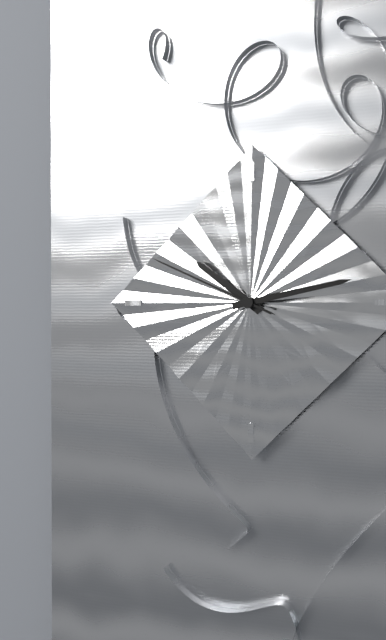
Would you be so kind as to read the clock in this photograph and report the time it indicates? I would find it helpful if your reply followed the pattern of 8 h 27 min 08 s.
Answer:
10 h 13 min 49 s
